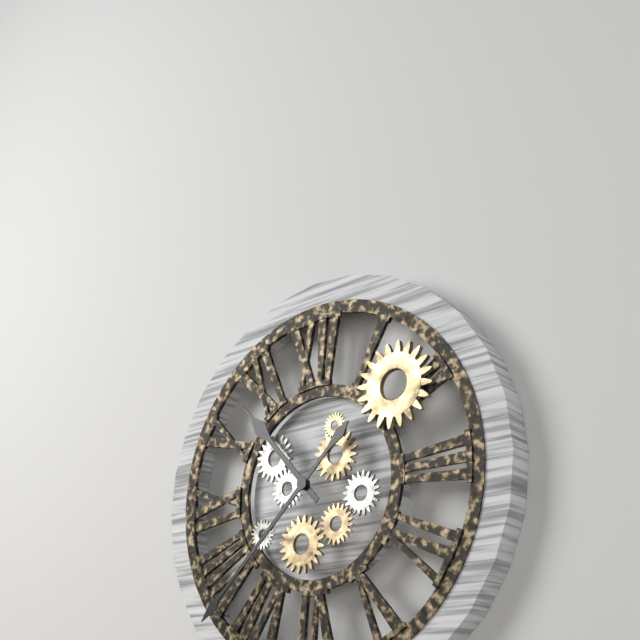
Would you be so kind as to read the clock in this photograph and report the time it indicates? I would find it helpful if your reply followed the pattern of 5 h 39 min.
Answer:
10 h 38 min
